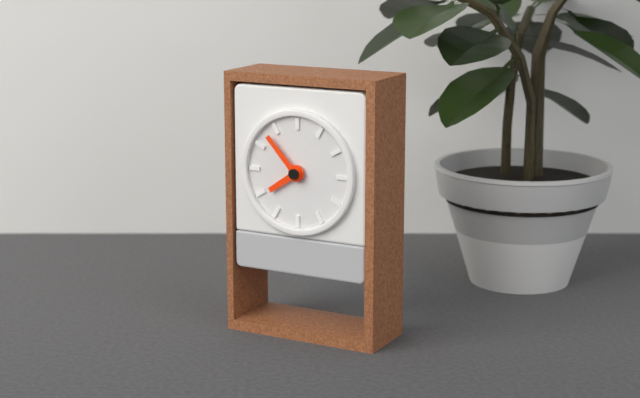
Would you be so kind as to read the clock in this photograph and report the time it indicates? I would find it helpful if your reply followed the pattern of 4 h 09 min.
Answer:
7 h 53 min
